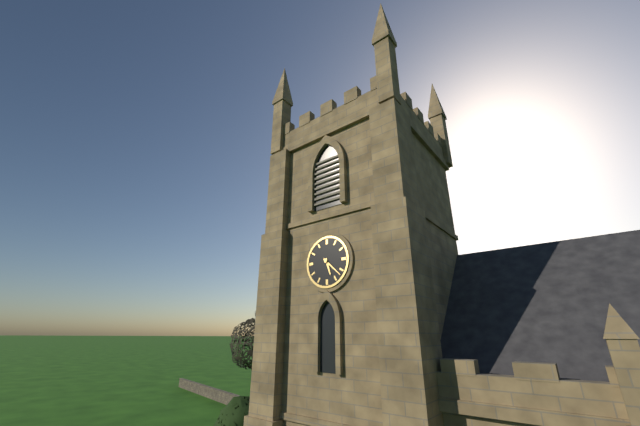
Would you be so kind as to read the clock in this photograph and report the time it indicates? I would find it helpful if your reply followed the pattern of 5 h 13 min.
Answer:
5 h 22 min
